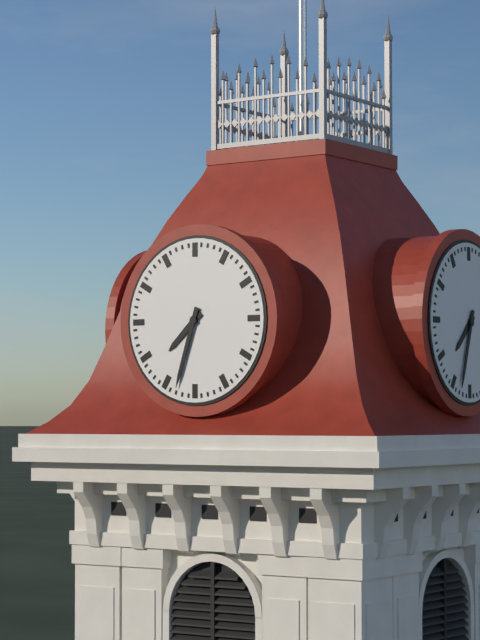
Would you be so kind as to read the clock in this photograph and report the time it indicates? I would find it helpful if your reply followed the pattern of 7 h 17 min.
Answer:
7 h 33 min
